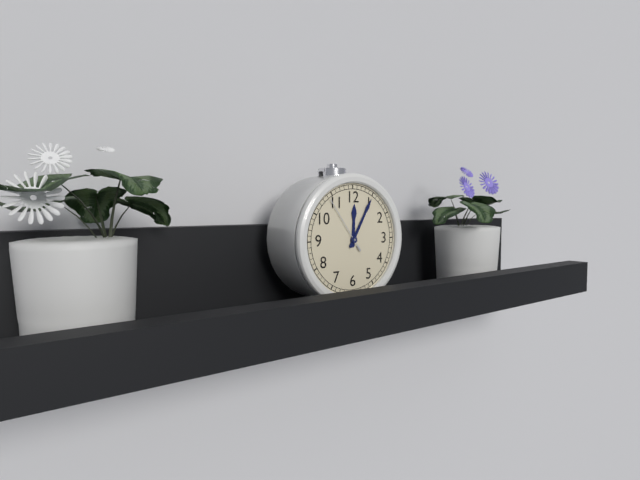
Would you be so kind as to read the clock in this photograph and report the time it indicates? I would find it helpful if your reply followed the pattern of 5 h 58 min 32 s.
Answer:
12 h 05 min 54 s
